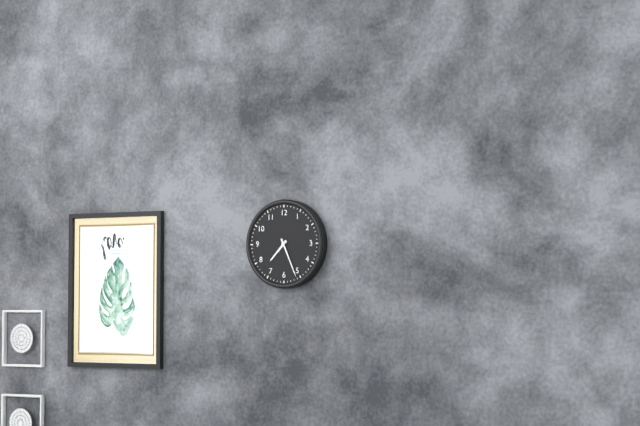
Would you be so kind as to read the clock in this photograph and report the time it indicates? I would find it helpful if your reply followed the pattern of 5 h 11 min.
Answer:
7 h 26 min
